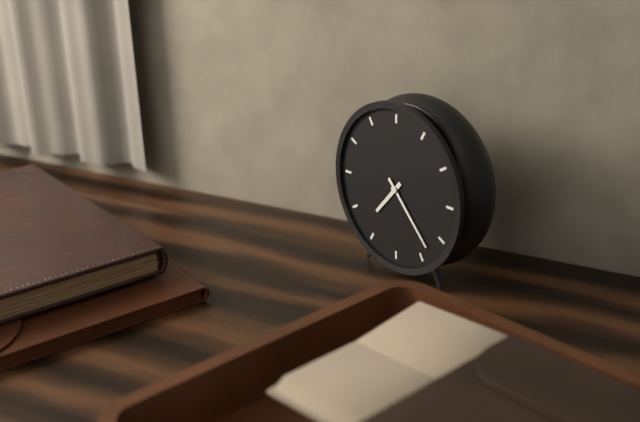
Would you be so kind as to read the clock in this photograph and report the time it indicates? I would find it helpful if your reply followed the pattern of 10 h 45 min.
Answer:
7 h 23 min
